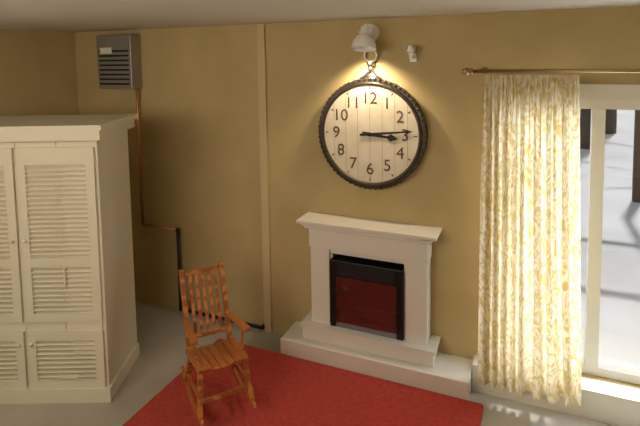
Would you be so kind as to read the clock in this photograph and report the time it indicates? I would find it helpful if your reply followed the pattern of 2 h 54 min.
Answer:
3 h 14 min
